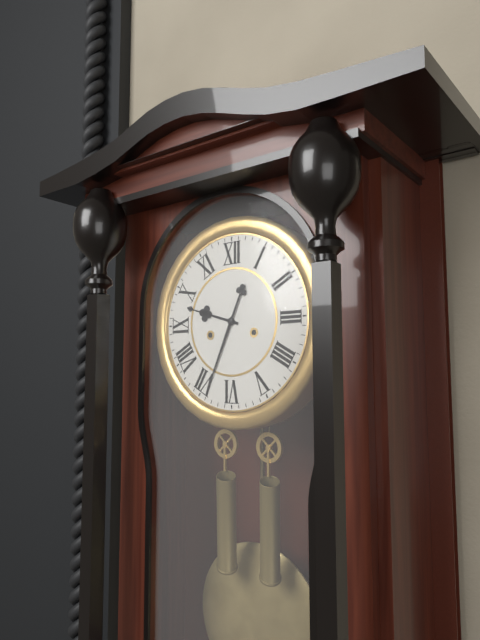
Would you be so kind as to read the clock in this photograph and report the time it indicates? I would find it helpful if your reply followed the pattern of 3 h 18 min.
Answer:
9 h 34 min
